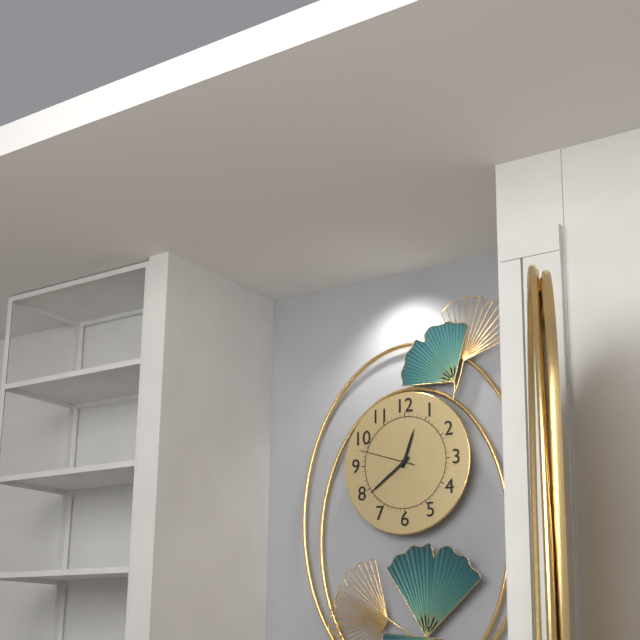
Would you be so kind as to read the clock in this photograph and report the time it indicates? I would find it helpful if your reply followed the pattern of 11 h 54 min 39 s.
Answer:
12 h 39 min 48 s
